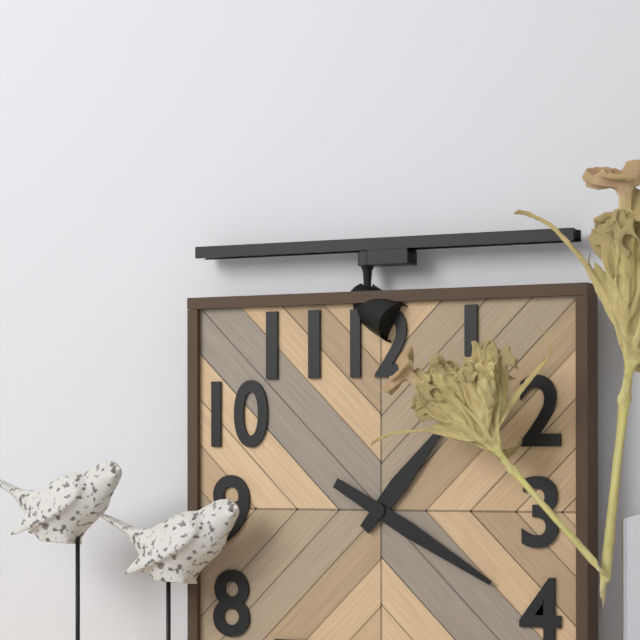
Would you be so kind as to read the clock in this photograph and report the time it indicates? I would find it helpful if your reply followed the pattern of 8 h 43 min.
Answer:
1 h 20 min
